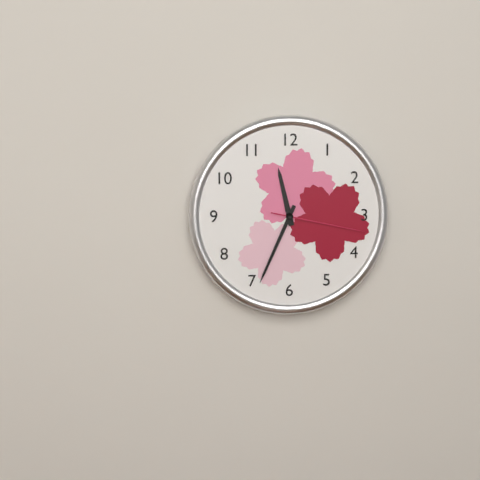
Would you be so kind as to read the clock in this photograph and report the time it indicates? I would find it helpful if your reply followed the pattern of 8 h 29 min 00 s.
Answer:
11 h 34 min 17 s
